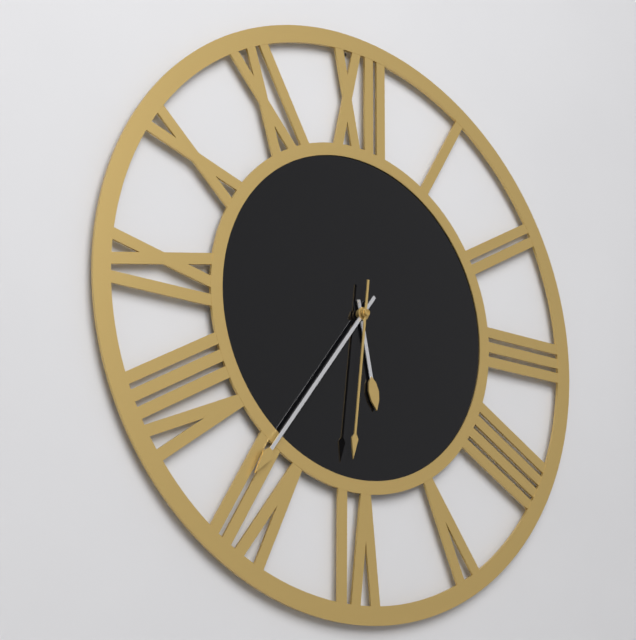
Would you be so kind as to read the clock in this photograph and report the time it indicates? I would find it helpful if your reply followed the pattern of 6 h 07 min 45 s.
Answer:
5 h 36 min 31 s
